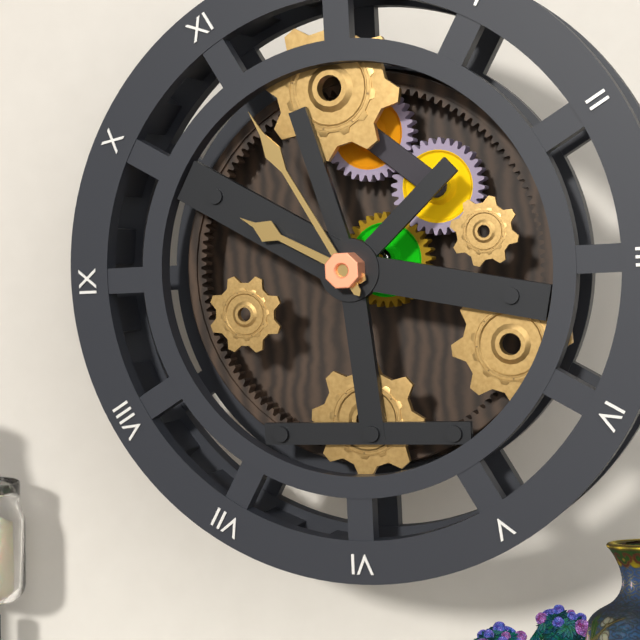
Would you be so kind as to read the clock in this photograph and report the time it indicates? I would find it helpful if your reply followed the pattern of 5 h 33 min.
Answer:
9 h 55 min
